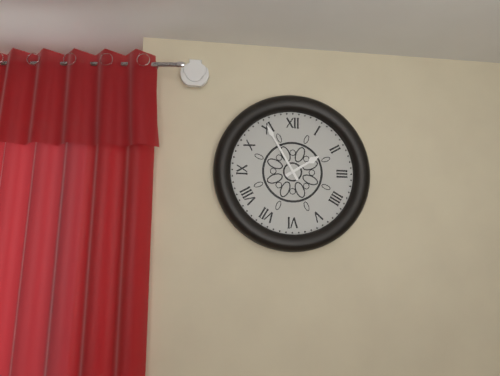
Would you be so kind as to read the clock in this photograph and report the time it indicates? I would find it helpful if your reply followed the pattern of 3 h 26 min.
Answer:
1 h 55 min
